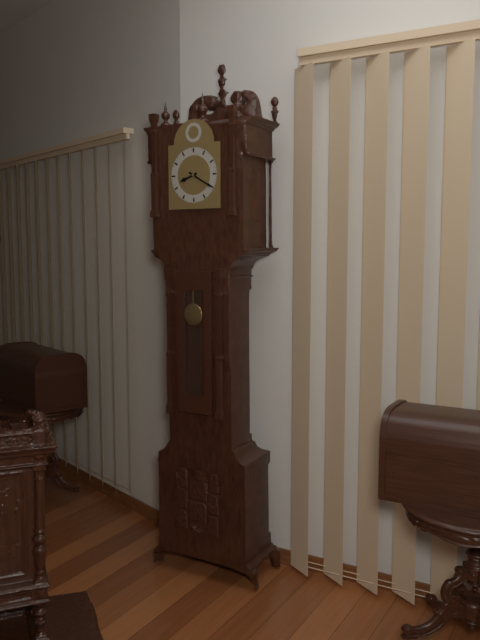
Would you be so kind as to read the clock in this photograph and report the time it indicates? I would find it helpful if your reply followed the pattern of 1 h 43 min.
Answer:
8 h 20 min
